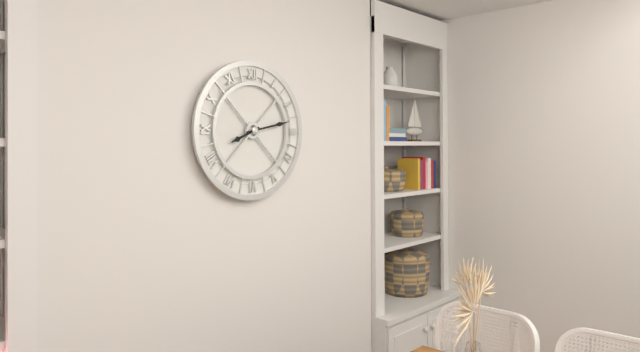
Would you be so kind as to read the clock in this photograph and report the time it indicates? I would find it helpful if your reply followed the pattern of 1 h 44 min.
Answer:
8 h 13 min
